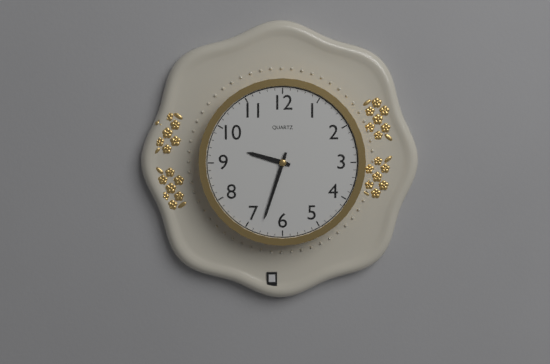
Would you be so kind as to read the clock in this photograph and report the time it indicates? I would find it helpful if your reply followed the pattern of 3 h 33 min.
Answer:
9 h 33 min
